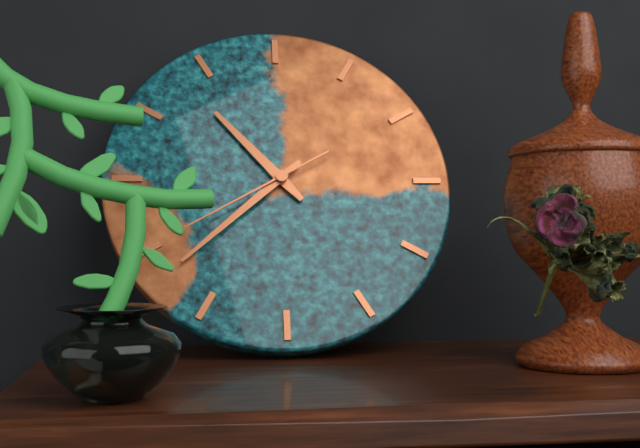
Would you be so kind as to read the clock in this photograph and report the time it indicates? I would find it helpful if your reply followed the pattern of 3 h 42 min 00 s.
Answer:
10 h 38 min 40 s
